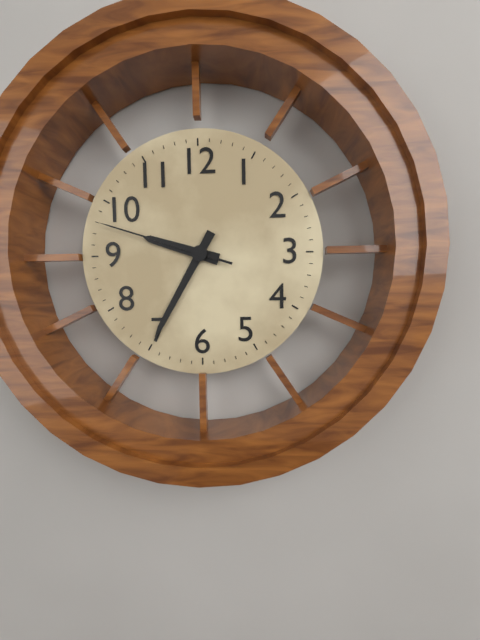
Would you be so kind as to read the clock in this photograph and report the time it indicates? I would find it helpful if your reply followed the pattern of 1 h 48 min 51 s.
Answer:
9 h 35 min 48 s
